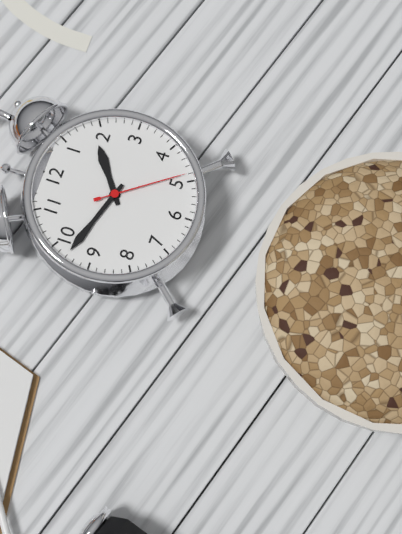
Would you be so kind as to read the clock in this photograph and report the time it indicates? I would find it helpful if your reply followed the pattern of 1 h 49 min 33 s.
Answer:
1 h 48 min 24 s
